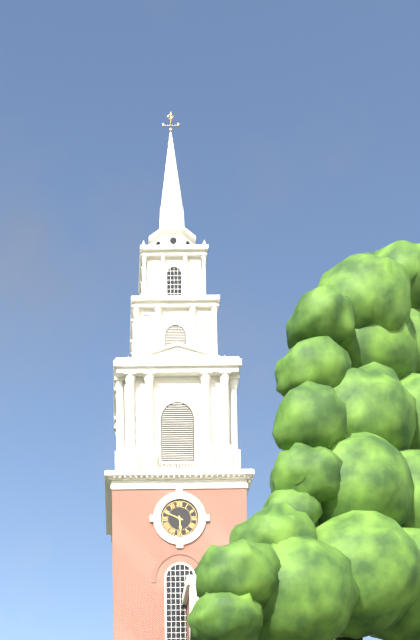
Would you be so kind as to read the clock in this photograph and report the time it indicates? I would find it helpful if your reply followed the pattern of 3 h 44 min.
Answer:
5 h 49 min
